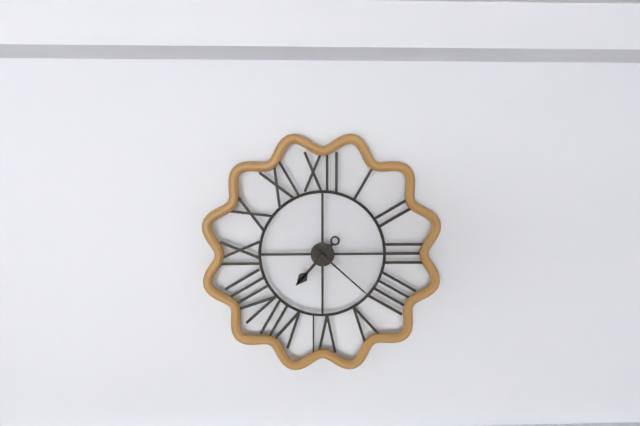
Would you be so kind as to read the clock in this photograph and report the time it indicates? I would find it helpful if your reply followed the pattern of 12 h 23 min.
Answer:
7 h 22 min
